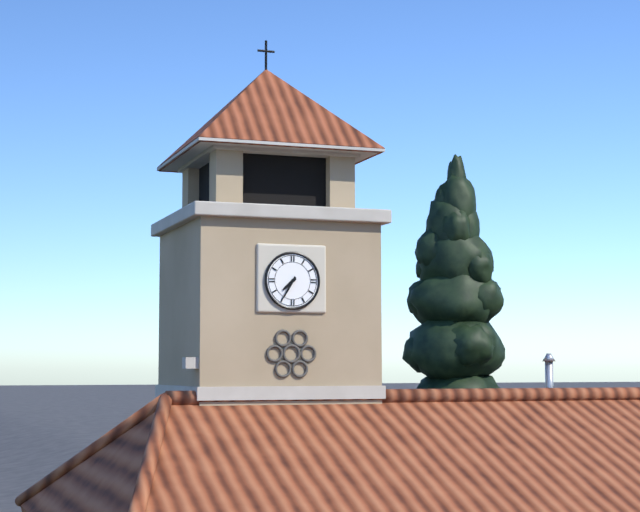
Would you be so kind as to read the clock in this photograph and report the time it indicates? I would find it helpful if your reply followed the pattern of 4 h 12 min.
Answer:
7 h 35 min
